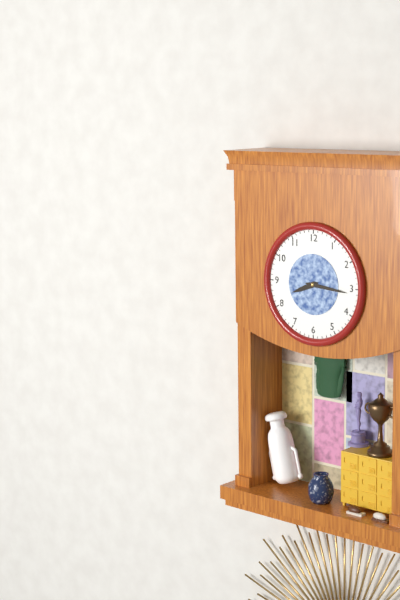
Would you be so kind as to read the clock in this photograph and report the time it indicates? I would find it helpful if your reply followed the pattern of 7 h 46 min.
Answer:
8 h 16 min
